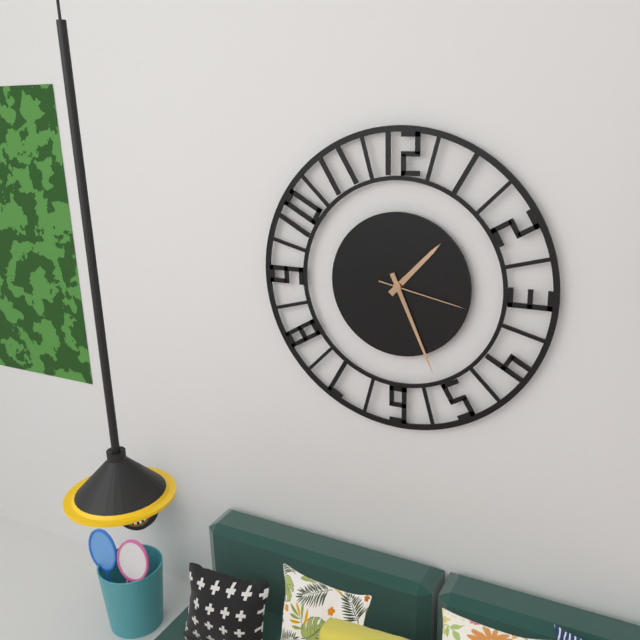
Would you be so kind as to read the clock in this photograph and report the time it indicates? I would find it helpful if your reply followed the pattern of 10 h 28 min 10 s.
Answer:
1 h 26 min 17 s
